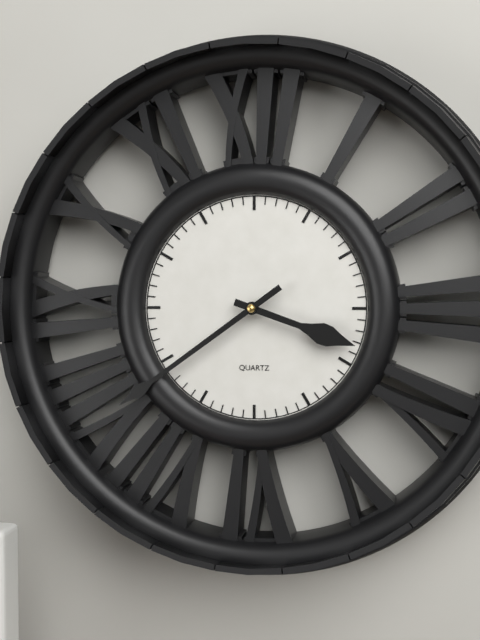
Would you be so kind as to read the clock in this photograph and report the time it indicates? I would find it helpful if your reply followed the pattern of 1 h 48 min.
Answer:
3 h 39 min
